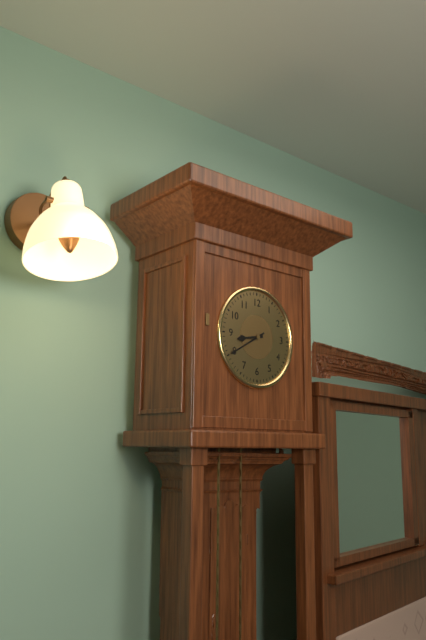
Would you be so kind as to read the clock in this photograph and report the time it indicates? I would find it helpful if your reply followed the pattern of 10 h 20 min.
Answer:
8 h 40 min
